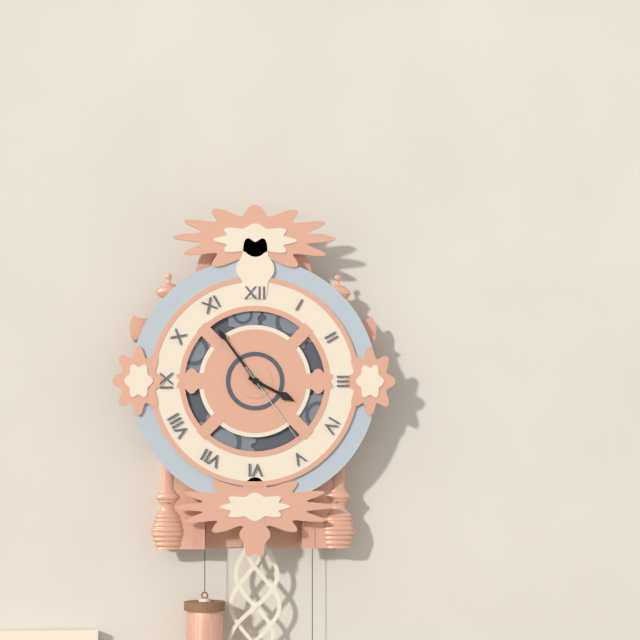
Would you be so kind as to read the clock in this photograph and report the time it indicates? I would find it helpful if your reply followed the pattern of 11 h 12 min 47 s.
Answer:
3 h 54 min 24 s
